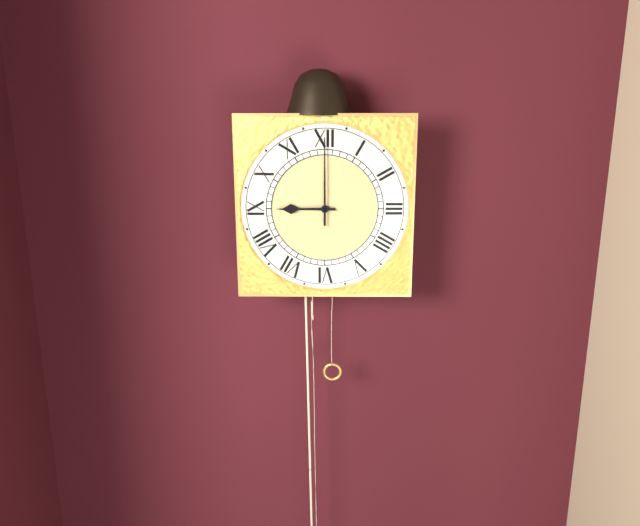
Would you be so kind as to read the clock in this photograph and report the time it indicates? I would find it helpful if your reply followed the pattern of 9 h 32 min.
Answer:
9 h 00 min
